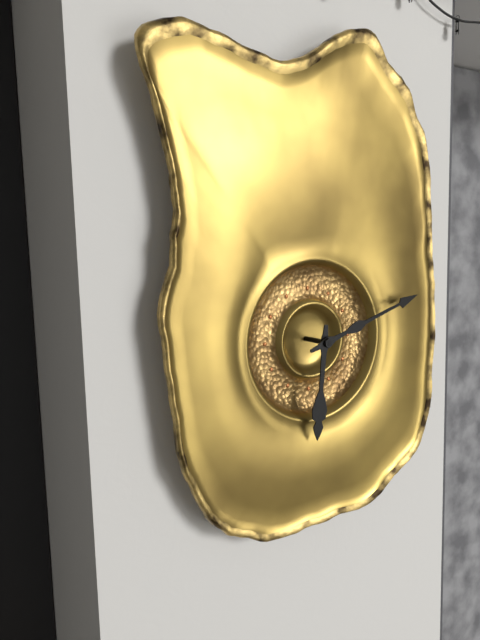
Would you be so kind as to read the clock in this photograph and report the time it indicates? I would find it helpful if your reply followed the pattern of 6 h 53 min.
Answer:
6 h 12 min
